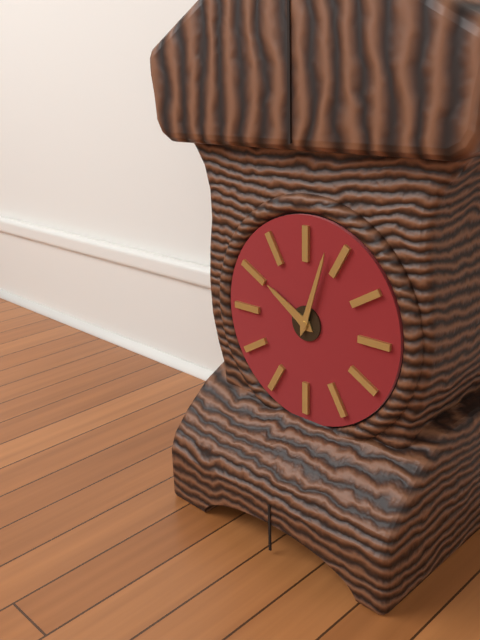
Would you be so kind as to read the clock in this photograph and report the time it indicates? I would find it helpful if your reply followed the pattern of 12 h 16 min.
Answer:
10 h 03 min
